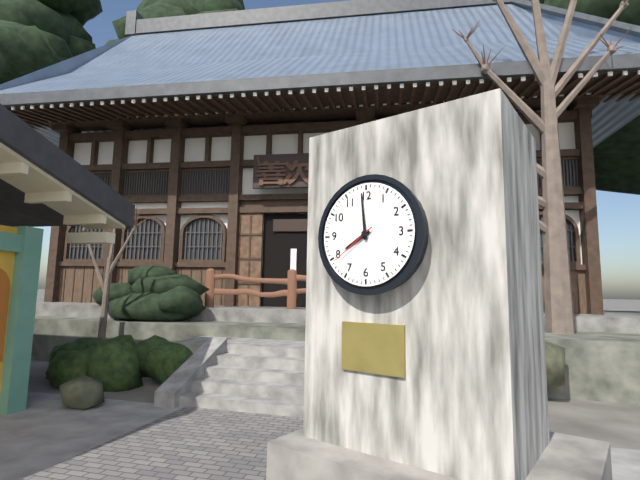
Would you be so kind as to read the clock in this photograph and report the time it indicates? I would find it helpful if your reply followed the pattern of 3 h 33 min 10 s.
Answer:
7 h 59 min 39 s
